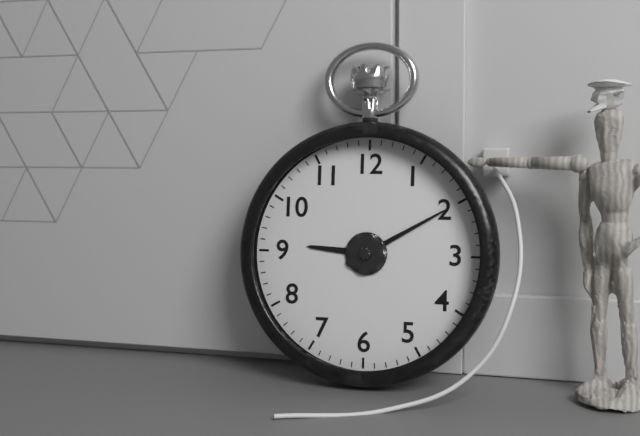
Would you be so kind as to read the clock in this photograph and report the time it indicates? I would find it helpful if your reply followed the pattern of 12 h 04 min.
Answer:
9 h 10 min
